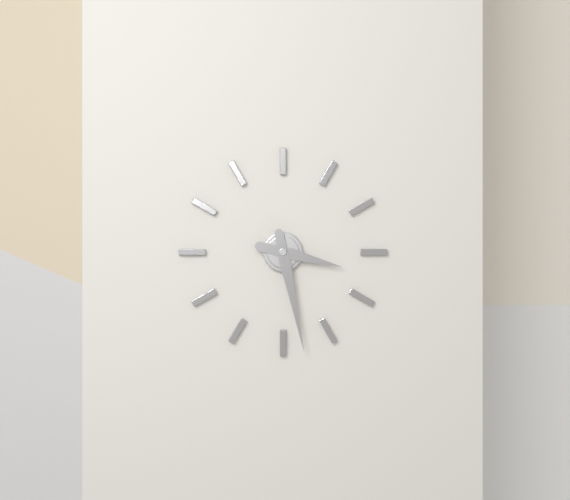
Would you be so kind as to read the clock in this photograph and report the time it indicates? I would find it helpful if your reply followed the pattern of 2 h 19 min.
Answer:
3 h 28 min
